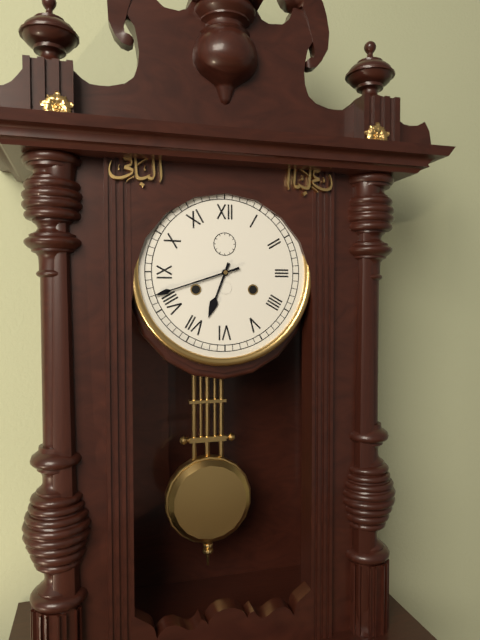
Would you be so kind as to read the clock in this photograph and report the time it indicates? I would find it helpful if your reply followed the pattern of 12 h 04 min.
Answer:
6 h 42 min
